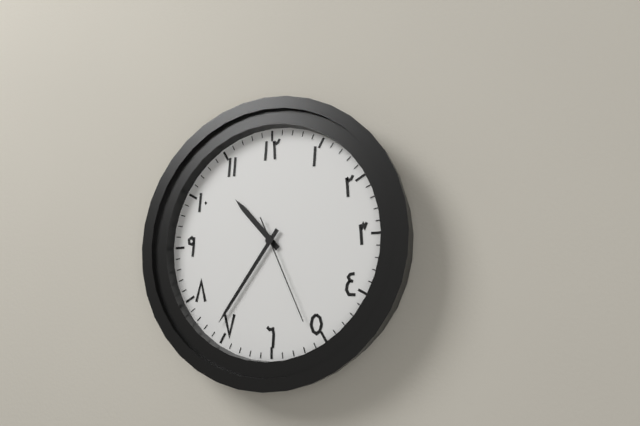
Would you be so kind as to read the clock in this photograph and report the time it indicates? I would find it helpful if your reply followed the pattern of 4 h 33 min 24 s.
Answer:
10 h 36 min 26 s
